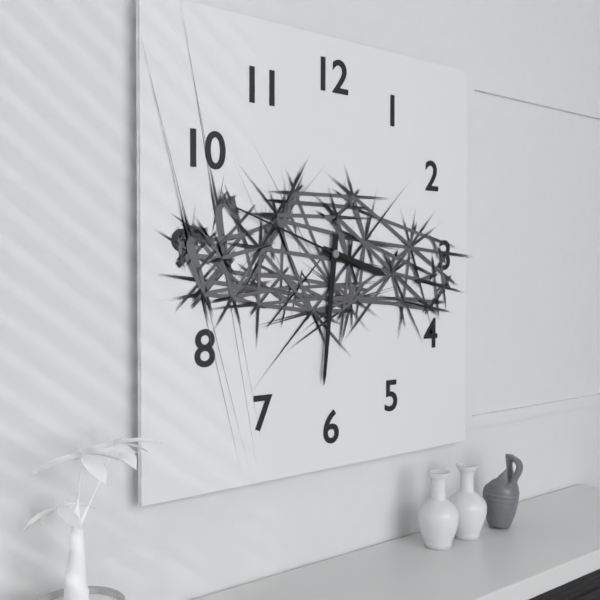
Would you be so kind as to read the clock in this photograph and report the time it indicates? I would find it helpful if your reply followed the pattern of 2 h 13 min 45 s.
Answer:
3 h 31 min 48 s
